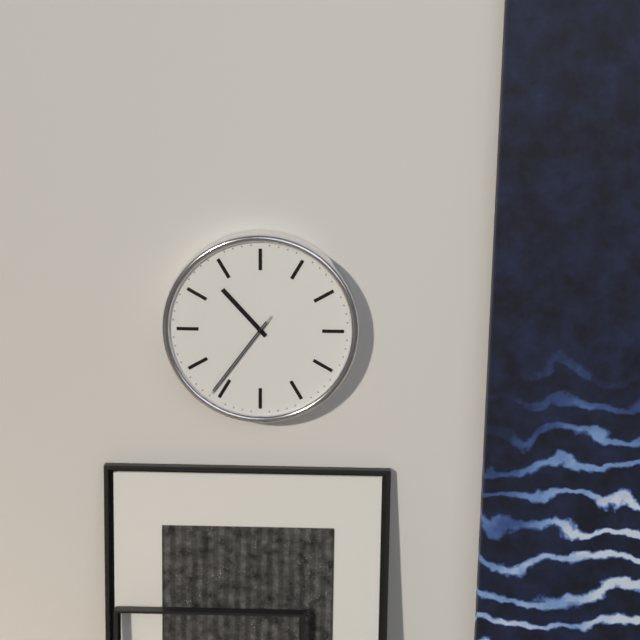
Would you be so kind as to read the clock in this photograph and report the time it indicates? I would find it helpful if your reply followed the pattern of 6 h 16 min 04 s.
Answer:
10 h 36 min 36 s
